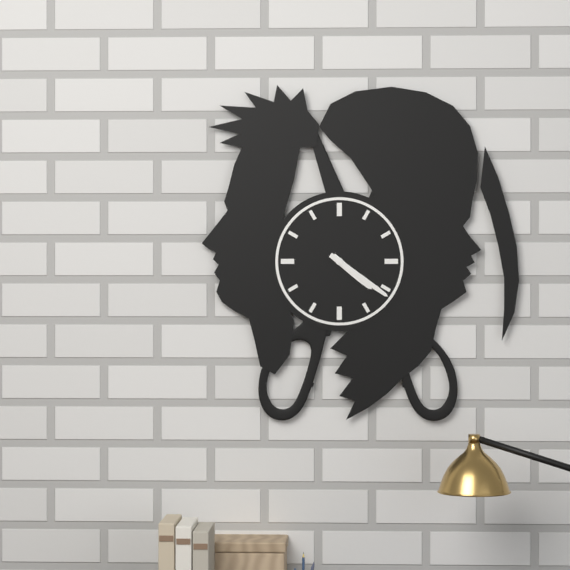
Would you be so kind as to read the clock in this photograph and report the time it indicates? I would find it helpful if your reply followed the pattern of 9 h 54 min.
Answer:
4 h 21 min
